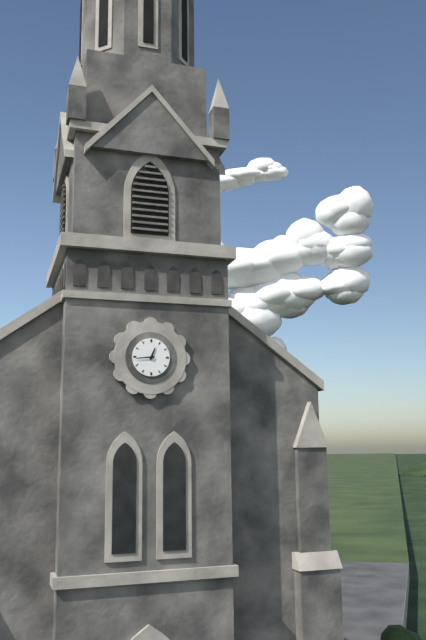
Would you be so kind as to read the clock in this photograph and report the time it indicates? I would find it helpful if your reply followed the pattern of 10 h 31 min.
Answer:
12 h 44 min
